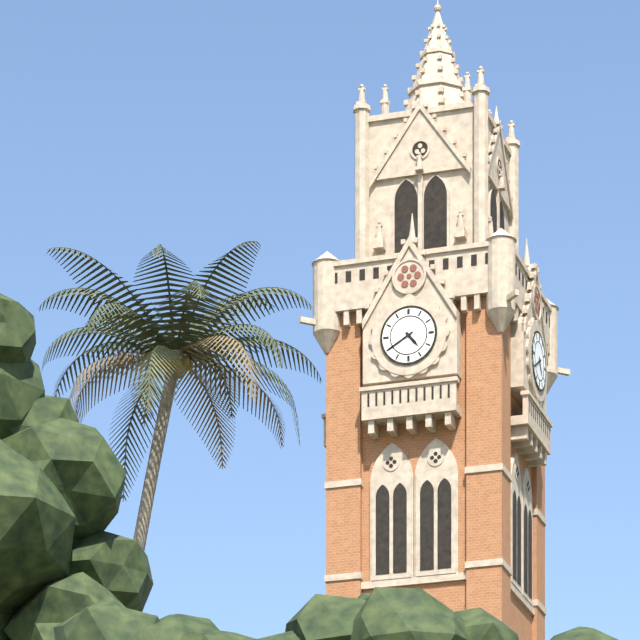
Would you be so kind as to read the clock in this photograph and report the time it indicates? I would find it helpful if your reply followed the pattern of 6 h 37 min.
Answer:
4 h 40 min
